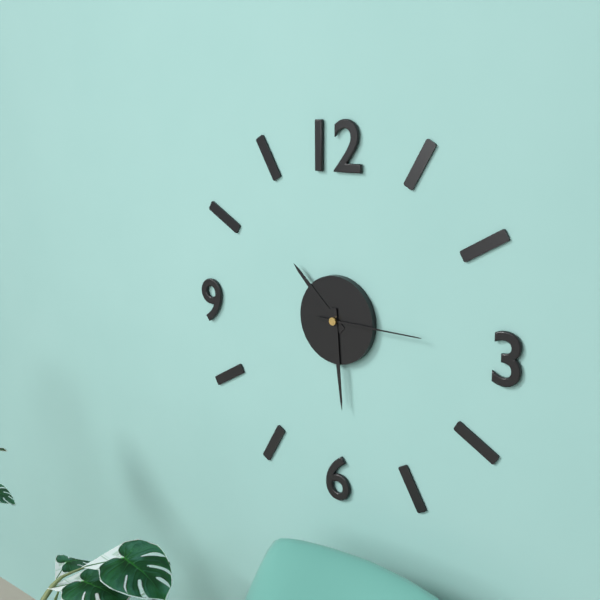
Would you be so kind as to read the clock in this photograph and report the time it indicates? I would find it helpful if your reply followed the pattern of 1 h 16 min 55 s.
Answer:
10 h 29 min 15 s
